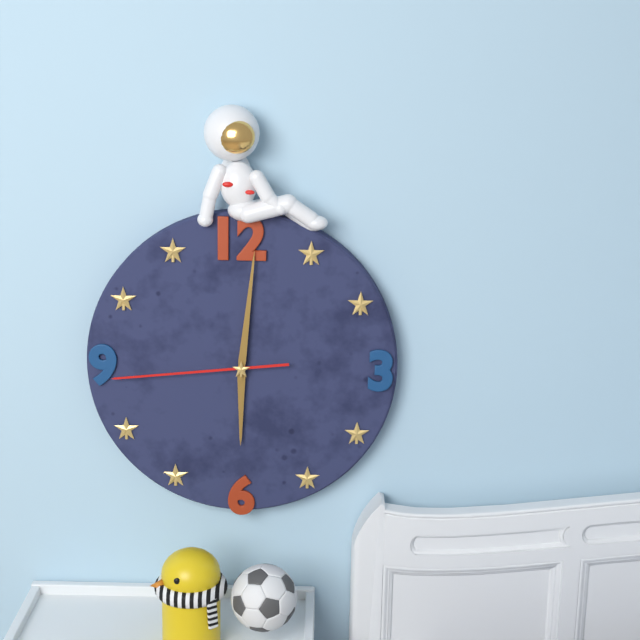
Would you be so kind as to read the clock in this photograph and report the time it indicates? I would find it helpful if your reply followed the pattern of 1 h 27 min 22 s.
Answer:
6 h 01 min 44 s
